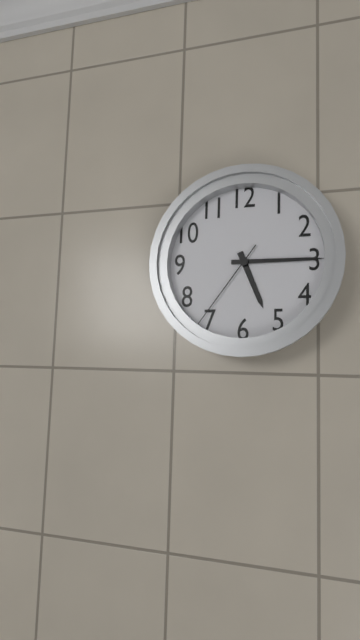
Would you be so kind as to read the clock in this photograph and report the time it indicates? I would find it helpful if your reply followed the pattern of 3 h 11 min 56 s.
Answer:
5 h 15 min 36 s
